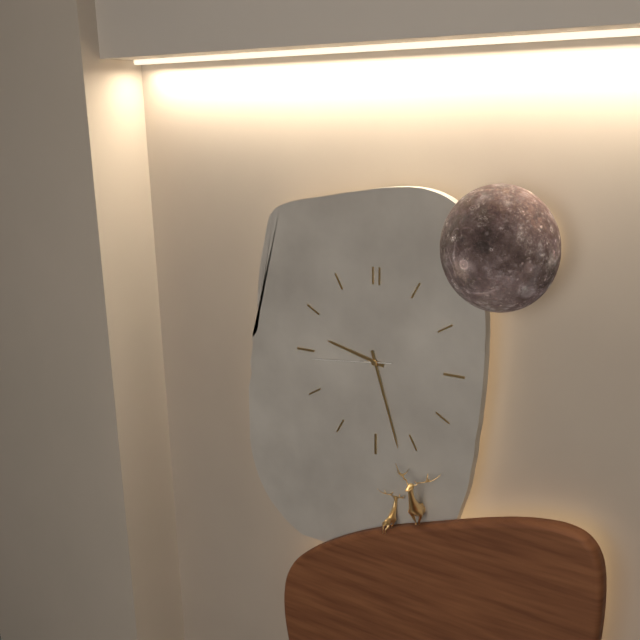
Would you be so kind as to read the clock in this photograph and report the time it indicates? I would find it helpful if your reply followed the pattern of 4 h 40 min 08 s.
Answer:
9 h 27 min 44 s
